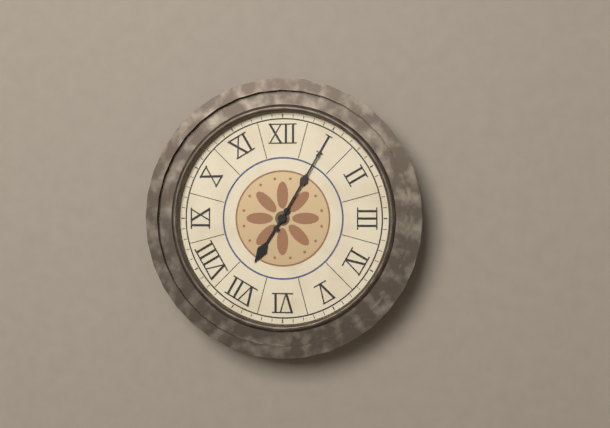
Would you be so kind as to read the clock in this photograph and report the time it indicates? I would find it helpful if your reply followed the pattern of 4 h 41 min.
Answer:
7 h 05 min
